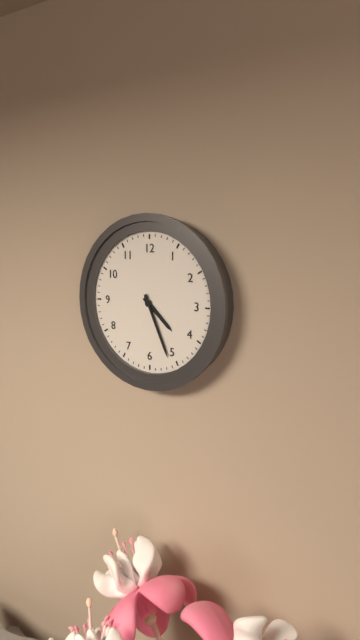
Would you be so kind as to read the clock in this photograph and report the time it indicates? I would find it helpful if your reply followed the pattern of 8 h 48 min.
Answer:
4 h 26 min
